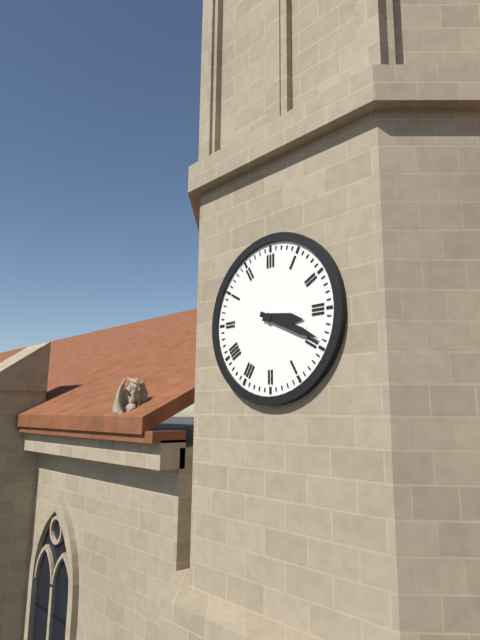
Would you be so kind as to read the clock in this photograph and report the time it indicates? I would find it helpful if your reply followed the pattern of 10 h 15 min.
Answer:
3 h 19 min
